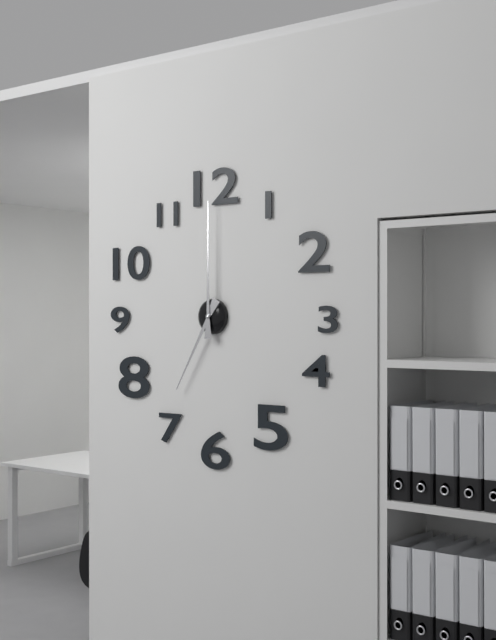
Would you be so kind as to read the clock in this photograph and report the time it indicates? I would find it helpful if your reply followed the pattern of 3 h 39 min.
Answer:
7 h 00 min
